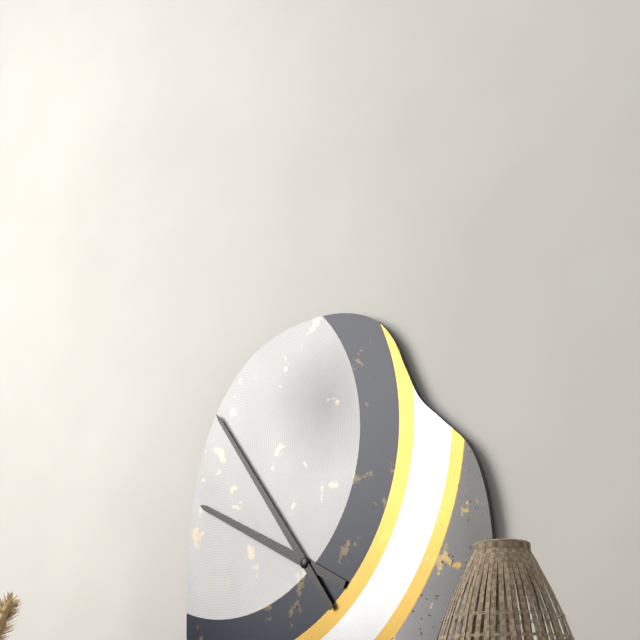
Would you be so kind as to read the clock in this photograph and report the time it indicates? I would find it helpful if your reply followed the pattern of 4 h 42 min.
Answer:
9 h 54 min
